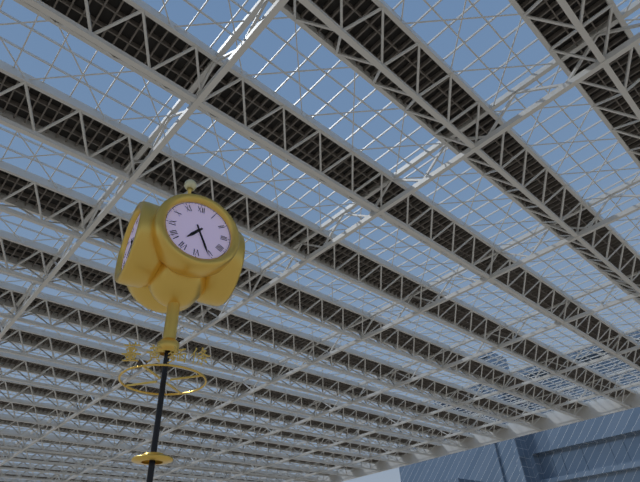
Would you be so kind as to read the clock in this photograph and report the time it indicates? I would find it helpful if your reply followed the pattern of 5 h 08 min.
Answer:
7 h 26 min
